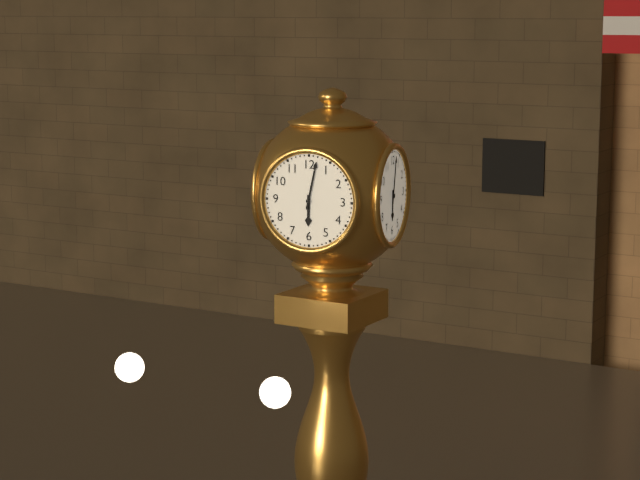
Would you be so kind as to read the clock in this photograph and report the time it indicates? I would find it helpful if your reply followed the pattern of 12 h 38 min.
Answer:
6 h 02 min
